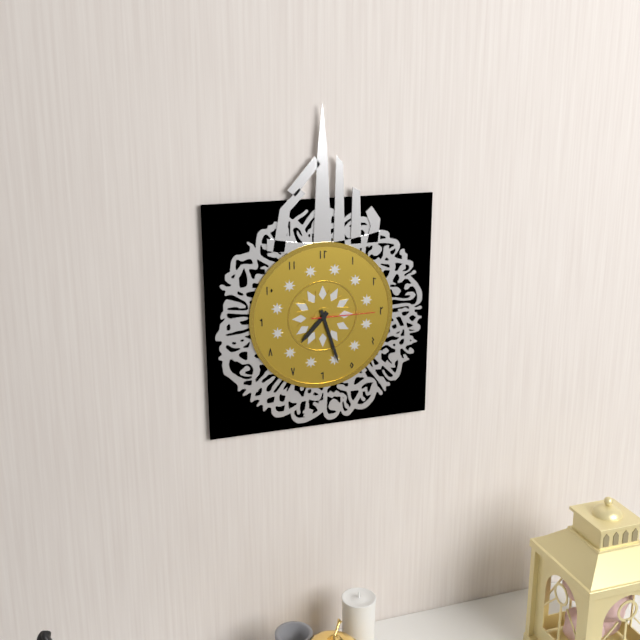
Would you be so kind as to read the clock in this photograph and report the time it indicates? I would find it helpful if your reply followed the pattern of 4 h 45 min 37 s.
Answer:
7 h 27 min 15 s
